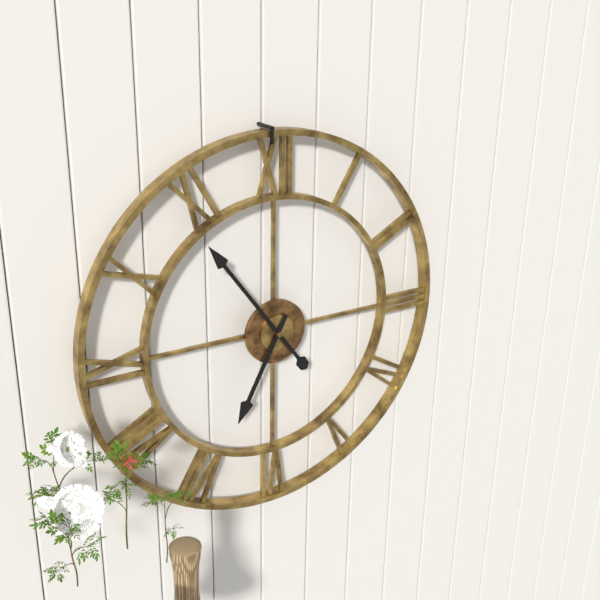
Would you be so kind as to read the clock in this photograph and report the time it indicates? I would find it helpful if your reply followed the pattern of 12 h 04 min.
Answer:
6 h 54 min
